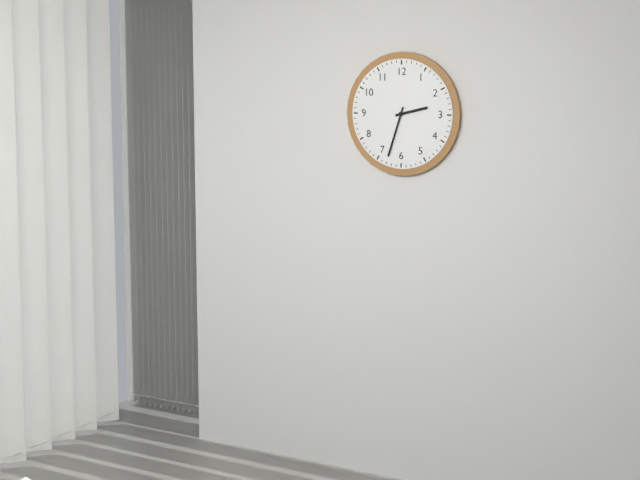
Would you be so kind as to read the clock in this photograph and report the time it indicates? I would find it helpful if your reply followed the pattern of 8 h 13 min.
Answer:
2 h 33 min
